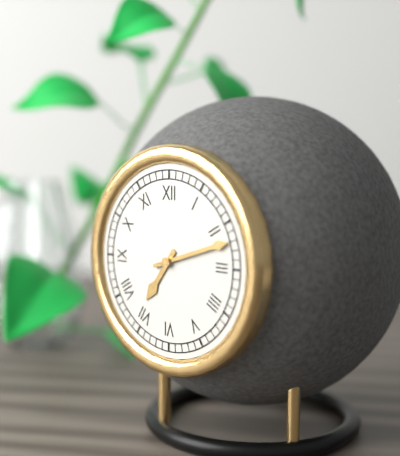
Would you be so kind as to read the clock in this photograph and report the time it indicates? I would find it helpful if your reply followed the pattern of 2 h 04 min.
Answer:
7 h 12 min
